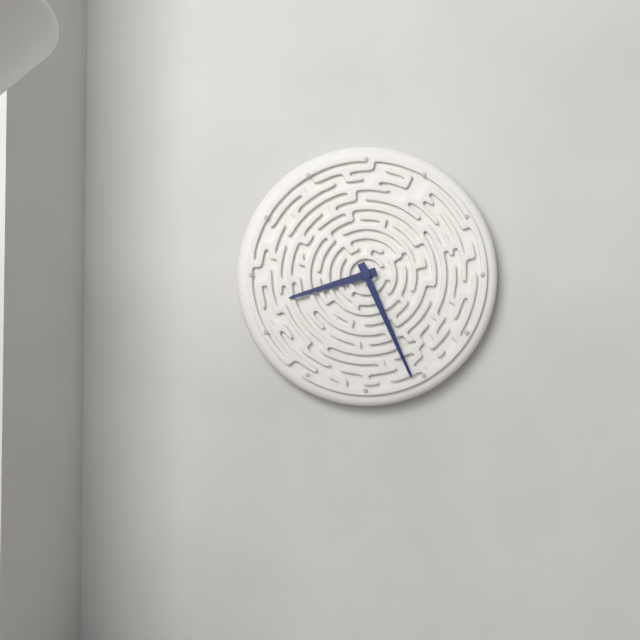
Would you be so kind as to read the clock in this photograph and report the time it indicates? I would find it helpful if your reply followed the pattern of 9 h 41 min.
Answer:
8 h 26 min
